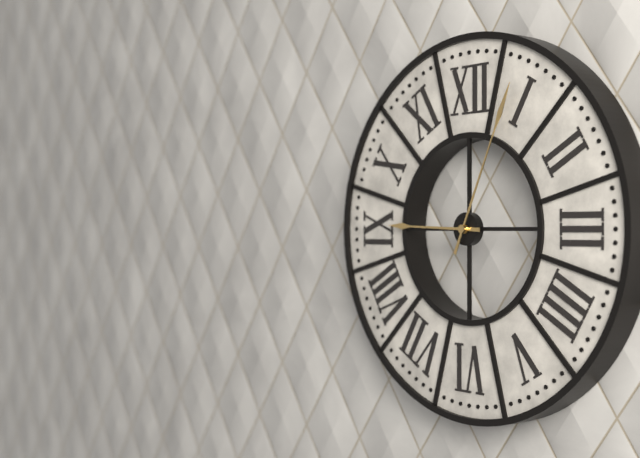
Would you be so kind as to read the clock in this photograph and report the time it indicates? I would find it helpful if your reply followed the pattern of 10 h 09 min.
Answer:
9 h 04 min
